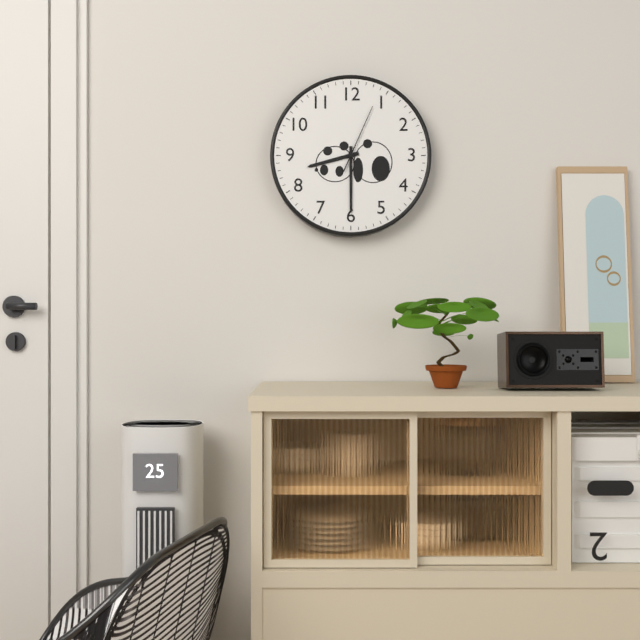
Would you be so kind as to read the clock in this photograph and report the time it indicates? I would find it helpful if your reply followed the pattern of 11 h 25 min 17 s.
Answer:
8 h 30 min 04 s
